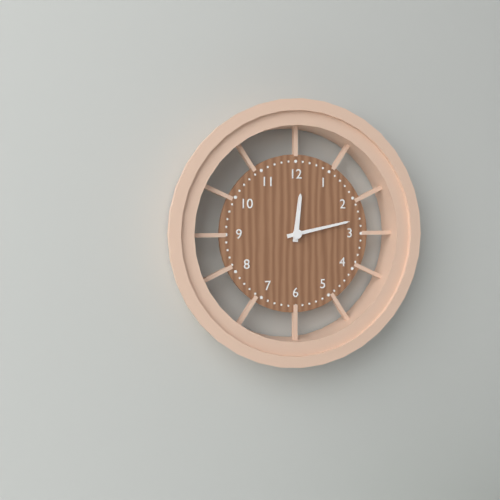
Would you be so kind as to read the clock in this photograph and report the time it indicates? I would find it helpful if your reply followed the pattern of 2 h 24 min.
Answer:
12 h 13 min
